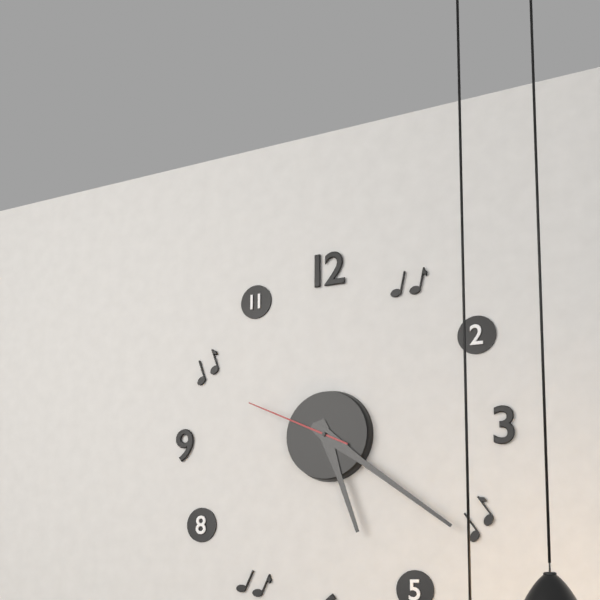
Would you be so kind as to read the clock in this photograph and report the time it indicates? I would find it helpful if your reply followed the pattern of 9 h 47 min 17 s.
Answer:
5 h 21 min 49 s
